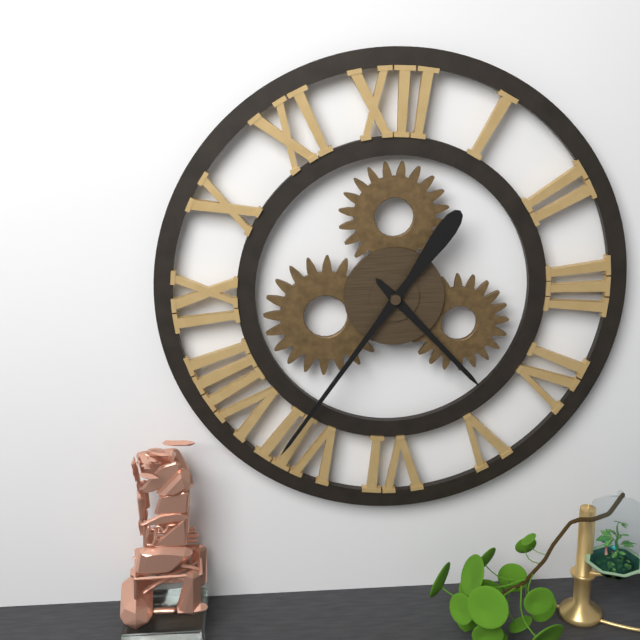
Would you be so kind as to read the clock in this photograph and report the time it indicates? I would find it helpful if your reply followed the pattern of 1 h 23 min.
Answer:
4 h 36 min
